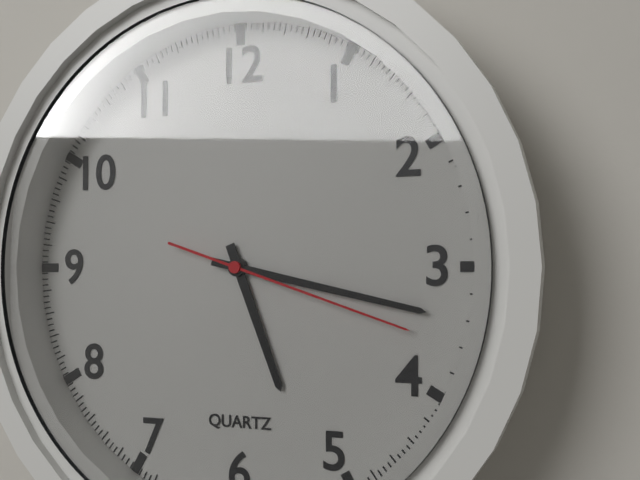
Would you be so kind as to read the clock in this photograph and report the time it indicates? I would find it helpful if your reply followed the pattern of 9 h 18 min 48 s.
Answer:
5 h 17 min 18 s
